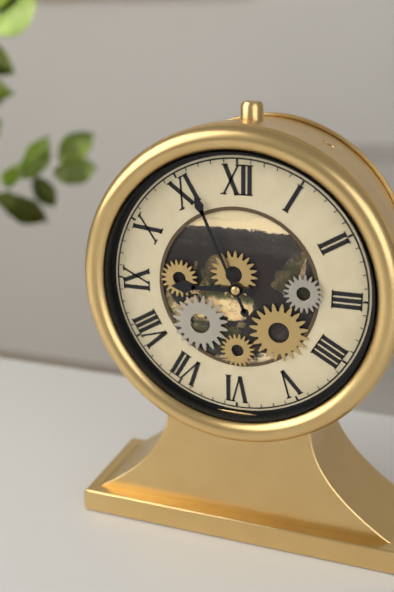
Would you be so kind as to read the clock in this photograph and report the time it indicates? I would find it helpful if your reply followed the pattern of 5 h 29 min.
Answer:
8 h 56 min
